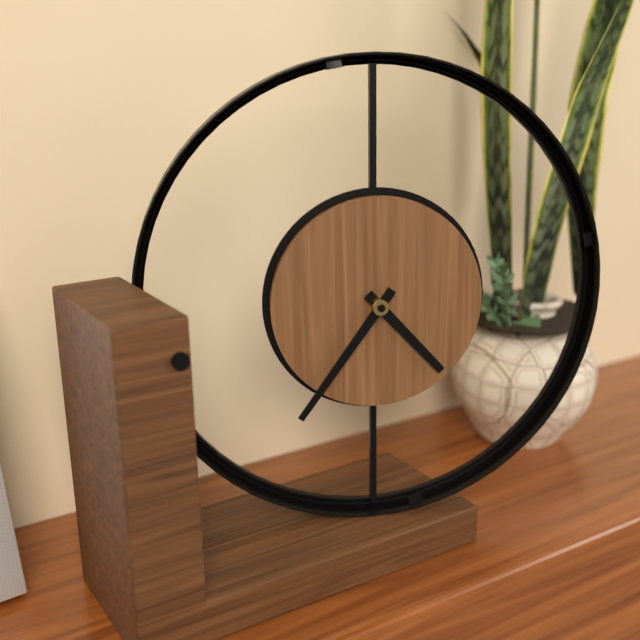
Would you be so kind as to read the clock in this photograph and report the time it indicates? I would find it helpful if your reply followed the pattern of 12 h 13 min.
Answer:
4 h 36 min
